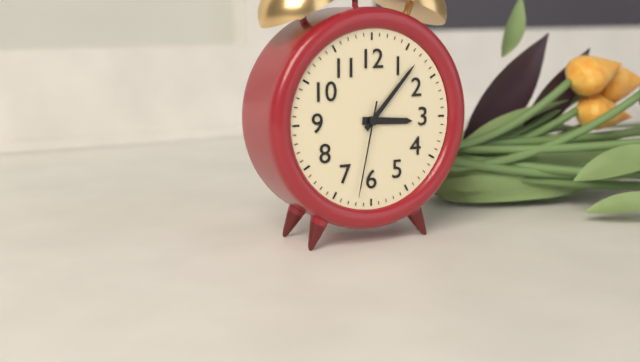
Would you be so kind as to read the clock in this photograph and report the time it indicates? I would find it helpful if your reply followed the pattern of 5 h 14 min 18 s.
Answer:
3 h 07 min 32 s
